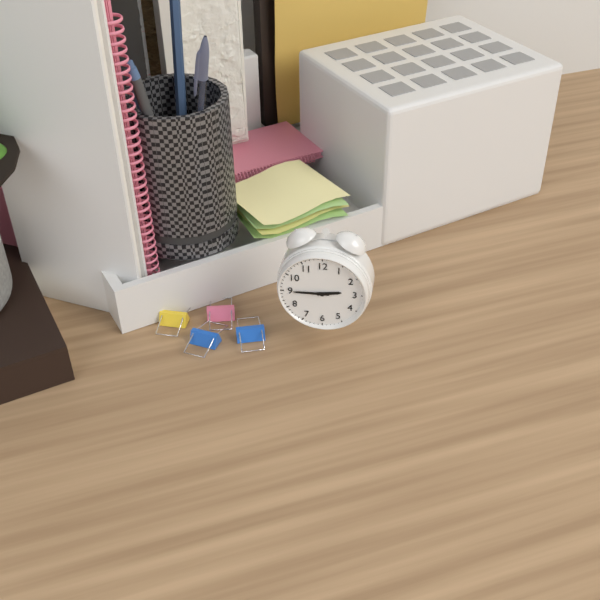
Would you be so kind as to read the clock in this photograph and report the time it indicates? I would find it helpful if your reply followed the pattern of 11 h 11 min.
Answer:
2 h 45 min
